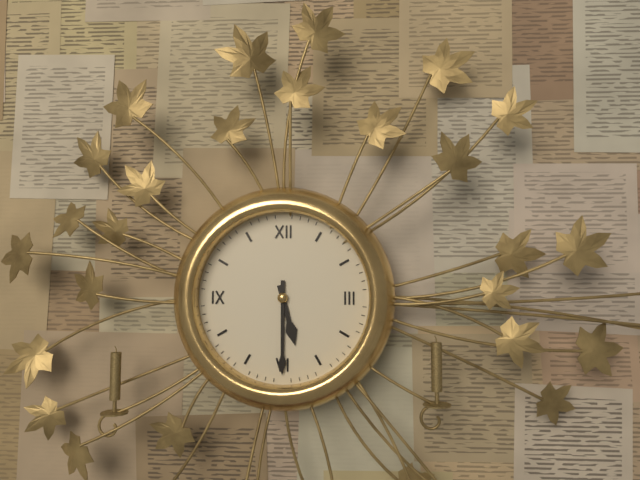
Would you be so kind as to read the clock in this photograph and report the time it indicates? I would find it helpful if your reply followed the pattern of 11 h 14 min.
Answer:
5 h 30 min
